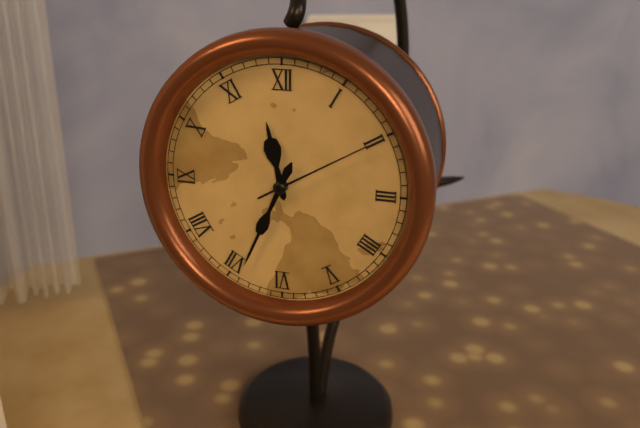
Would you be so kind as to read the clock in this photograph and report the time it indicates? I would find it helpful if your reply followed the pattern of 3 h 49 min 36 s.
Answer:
11 h 34 min 10 s
